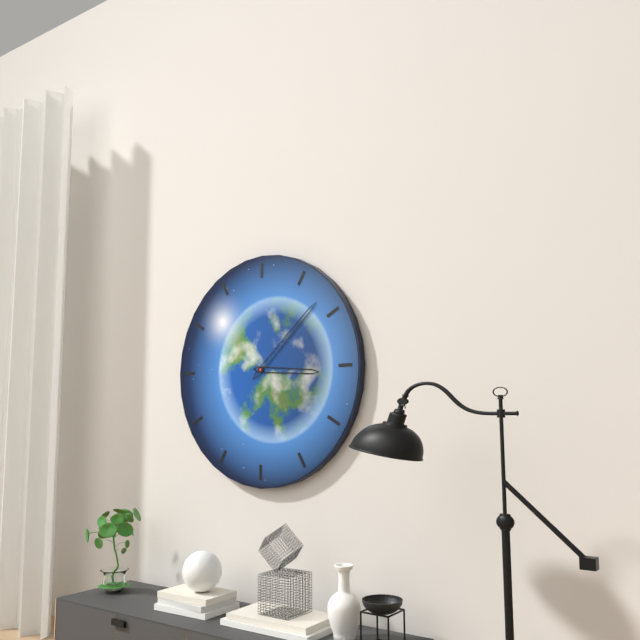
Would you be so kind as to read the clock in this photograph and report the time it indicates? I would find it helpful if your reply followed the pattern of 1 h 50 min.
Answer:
3 h 08 min
